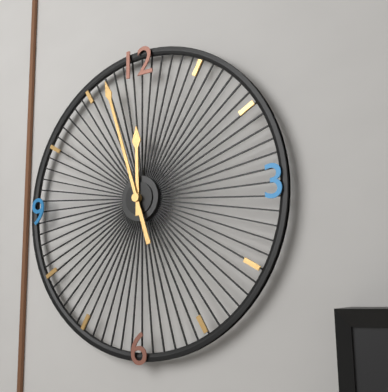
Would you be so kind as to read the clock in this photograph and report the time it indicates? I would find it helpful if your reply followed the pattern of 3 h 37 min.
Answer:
11 h 57 min
